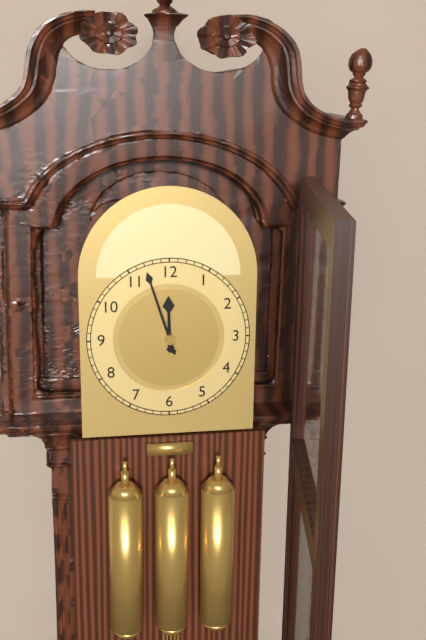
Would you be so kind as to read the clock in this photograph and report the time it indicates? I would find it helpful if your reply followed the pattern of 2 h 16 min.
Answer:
11 h 57 min
